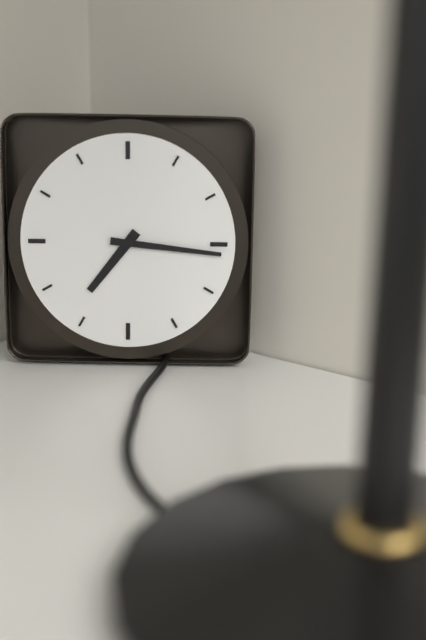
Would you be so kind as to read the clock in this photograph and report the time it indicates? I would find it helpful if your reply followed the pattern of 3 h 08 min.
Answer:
7 h 16 min
